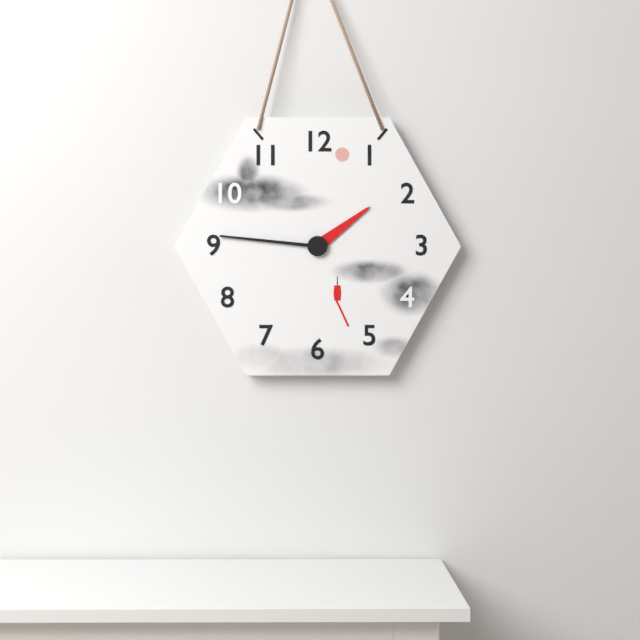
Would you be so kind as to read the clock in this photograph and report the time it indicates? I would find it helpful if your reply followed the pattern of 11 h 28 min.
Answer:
1 h 46 min
